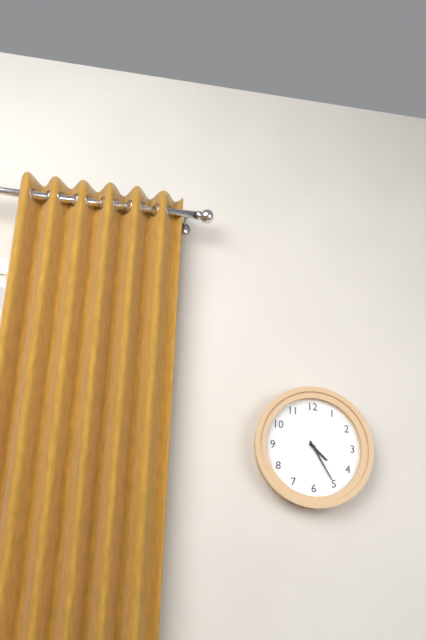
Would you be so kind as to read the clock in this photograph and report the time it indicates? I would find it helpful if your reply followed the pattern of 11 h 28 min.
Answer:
4 h 25 min
